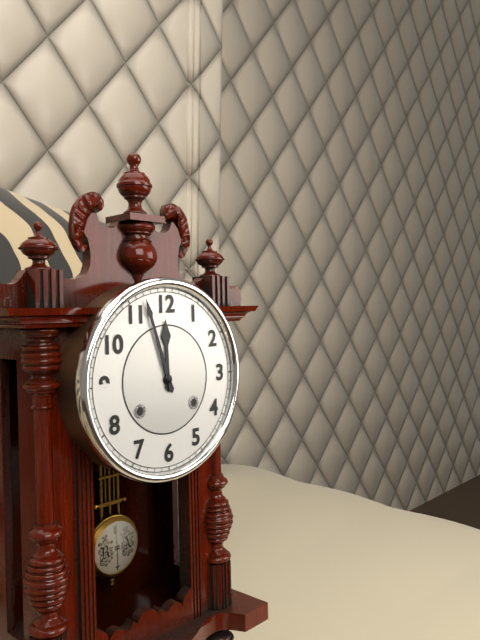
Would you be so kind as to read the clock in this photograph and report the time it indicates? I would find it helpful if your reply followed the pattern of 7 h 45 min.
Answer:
11 h 57 min
